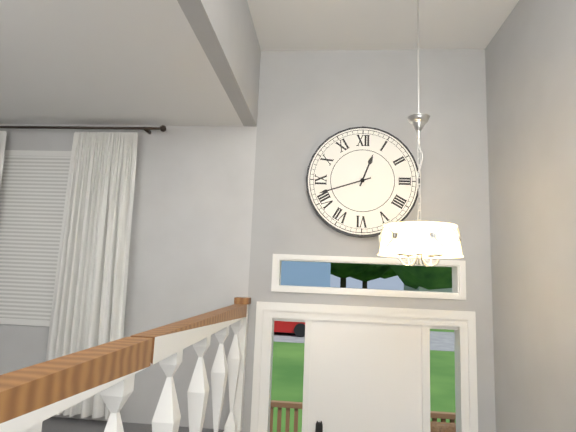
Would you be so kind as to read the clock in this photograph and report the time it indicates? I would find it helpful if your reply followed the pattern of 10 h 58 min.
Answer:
12 h 42 min
